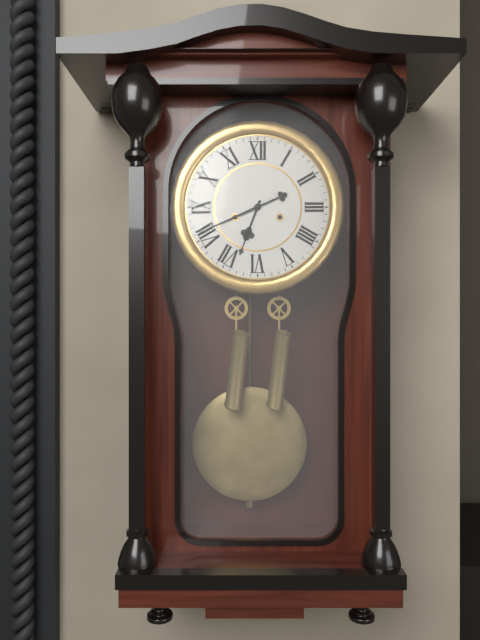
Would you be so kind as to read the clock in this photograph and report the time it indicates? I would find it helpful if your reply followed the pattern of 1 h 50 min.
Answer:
6 h 41 min
